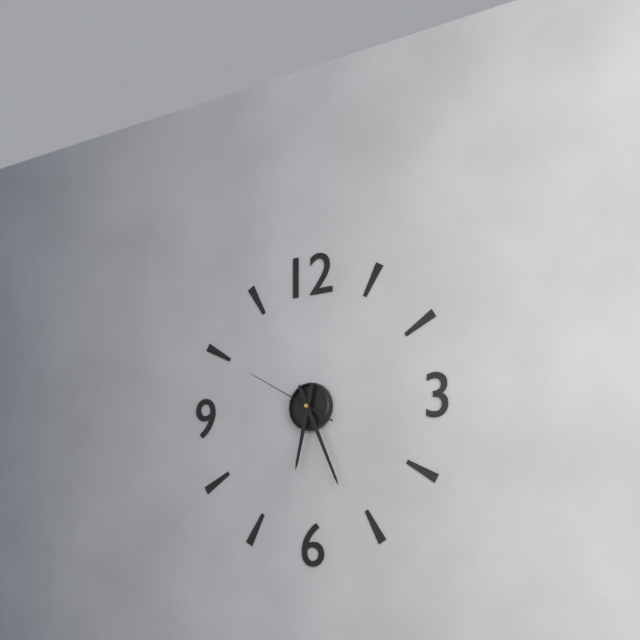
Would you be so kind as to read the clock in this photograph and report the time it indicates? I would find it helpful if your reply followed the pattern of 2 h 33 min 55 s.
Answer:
6 h 26 min 50 s
